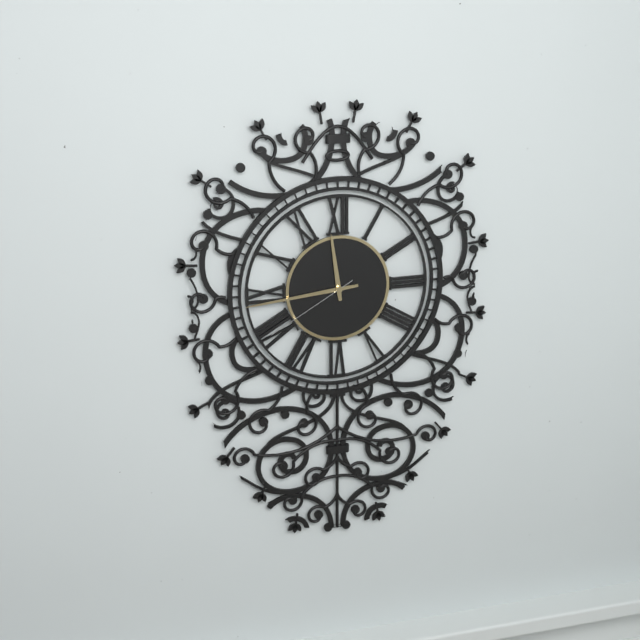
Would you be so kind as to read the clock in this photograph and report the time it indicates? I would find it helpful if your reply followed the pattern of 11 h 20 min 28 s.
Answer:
11 h 44 min 40 s
